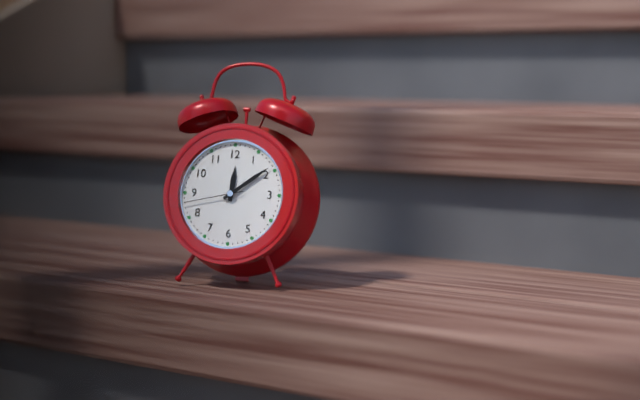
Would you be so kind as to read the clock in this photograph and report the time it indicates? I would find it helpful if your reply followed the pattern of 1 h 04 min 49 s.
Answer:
12 h 09 min 43 s
